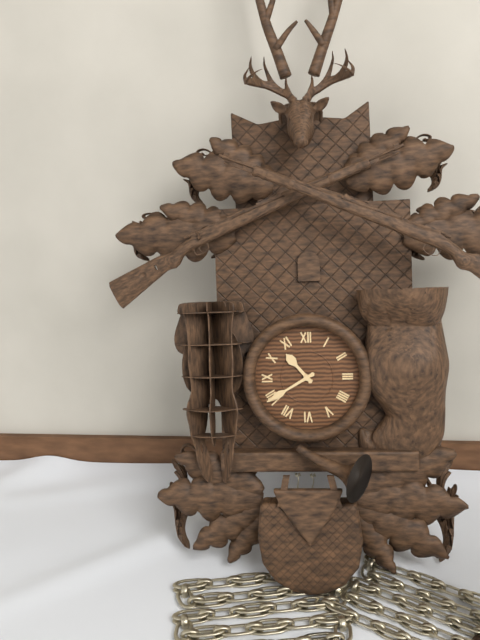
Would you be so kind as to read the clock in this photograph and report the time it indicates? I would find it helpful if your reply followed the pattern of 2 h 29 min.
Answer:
10 h 40 min
